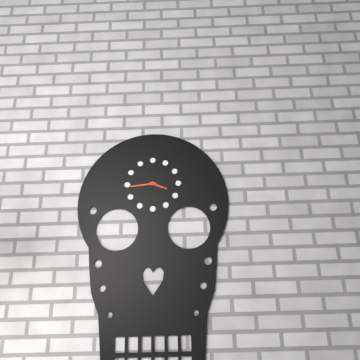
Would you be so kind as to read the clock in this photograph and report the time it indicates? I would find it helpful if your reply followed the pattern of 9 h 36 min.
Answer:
3 h 44 min
